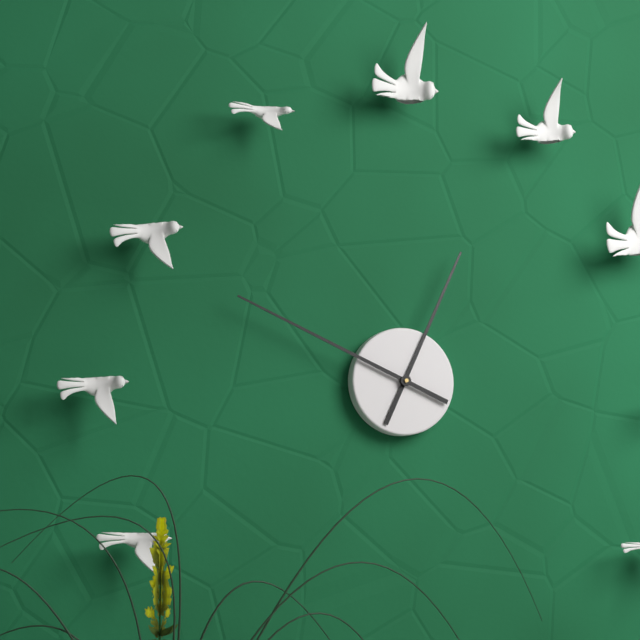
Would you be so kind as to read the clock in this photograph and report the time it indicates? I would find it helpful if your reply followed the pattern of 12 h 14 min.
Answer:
12 h 49 min
